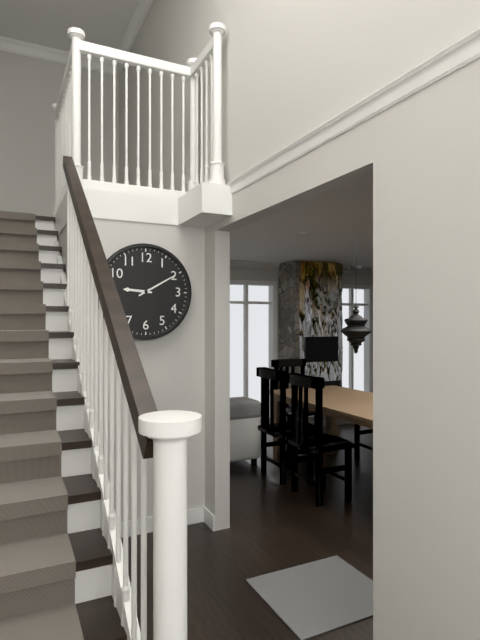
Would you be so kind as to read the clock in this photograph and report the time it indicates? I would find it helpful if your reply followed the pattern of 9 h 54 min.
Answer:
9 h 10 min
